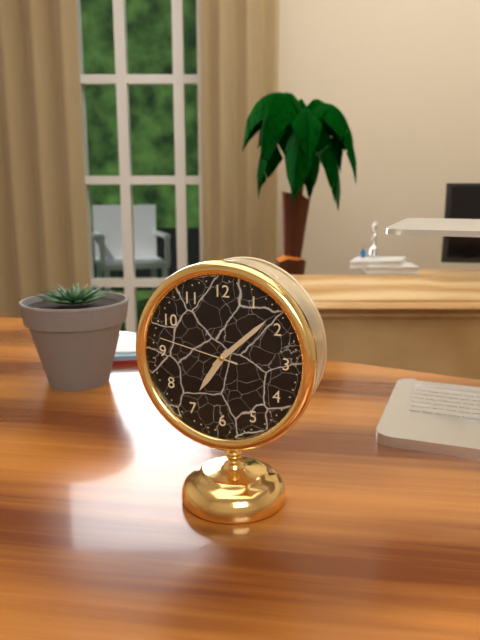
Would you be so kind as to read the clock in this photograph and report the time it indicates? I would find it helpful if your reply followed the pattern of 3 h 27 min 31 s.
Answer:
7 h 08 min 47 s
